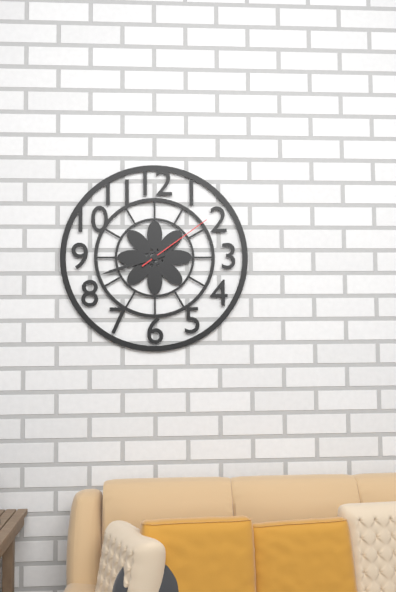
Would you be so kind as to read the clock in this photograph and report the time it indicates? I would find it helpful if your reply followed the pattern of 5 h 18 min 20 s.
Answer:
1 h 42 min 09 s
